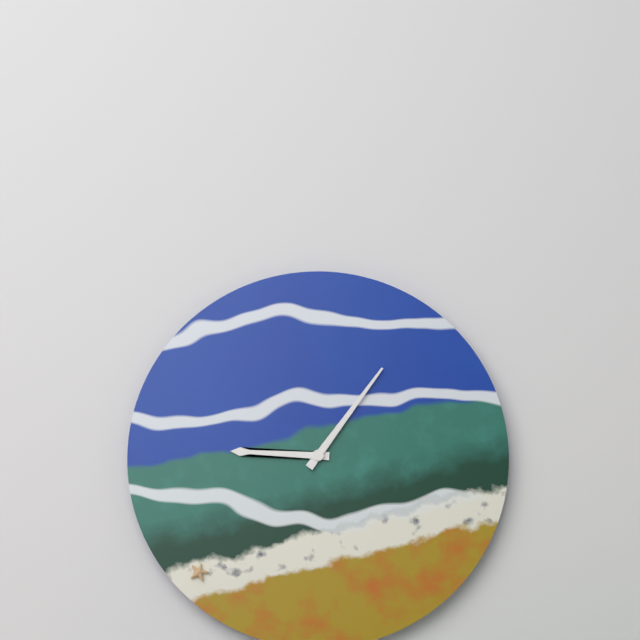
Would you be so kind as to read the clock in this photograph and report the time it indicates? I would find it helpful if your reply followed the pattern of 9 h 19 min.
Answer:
9 h 06 min
